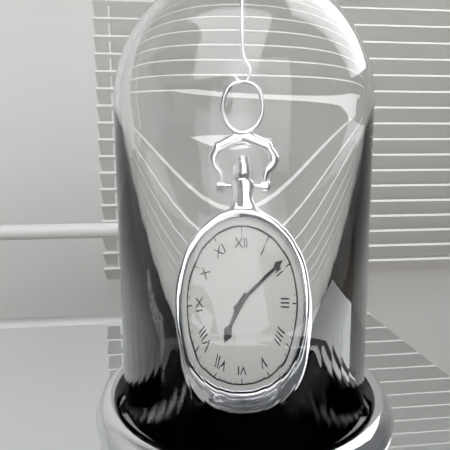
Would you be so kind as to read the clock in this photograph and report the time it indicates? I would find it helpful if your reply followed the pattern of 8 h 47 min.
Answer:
7 h 09 min
